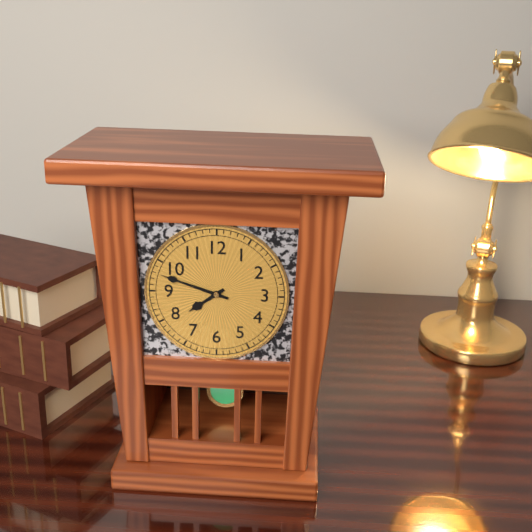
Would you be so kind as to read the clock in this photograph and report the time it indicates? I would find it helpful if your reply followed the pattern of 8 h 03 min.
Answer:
7 h 48 min
